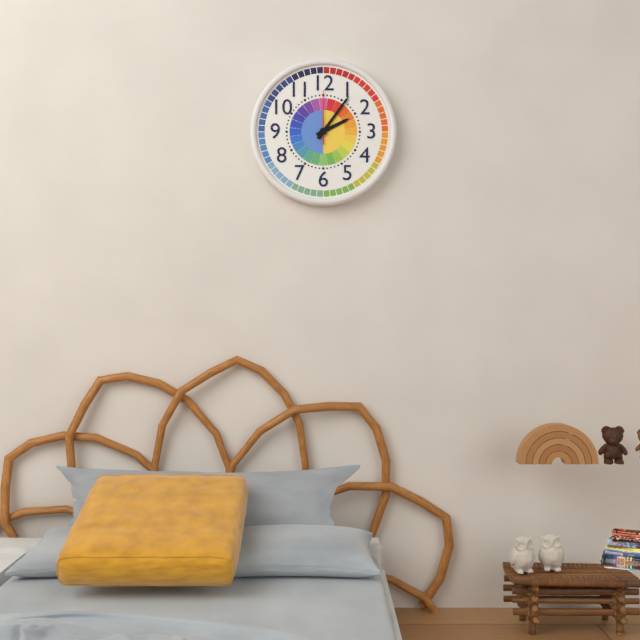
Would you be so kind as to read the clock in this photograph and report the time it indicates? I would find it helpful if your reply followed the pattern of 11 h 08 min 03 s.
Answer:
2 h 06 min 00 s
